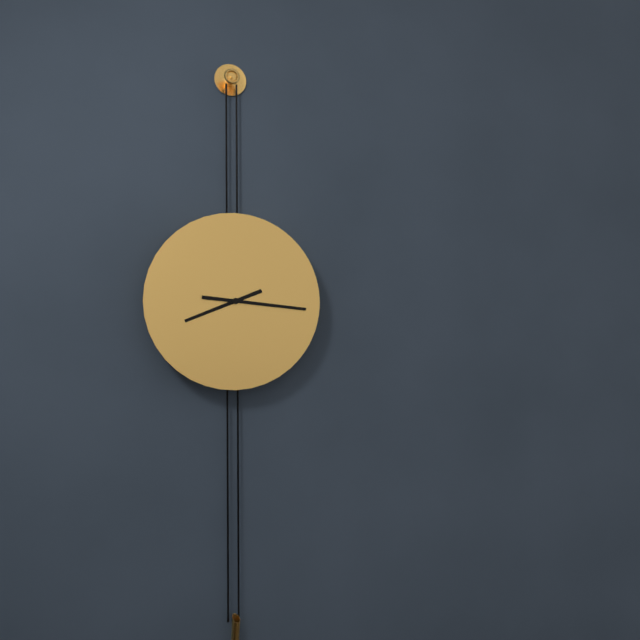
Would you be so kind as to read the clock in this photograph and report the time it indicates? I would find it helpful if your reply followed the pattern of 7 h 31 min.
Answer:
8 h 16 min
